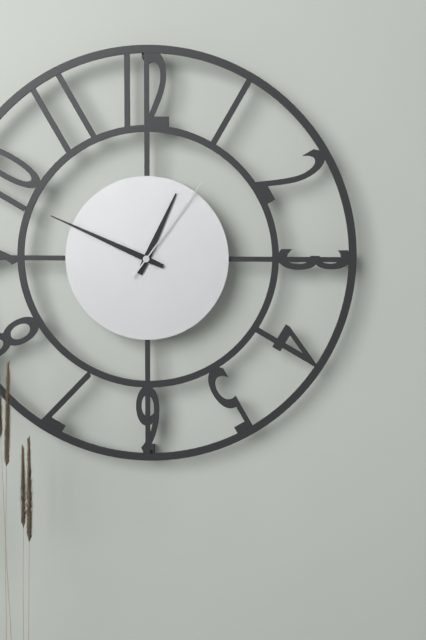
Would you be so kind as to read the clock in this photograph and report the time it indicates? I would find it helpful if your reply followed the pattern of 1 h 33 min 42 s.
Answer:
12 h 49 min 06 s
